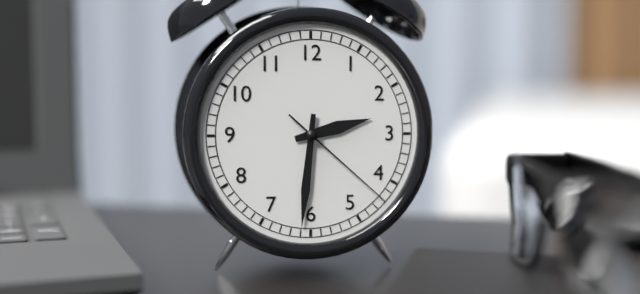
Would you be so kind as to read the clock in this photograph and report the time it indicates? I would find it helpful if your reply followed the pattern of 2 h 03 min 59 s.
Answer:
2 h 31 min 22 s
